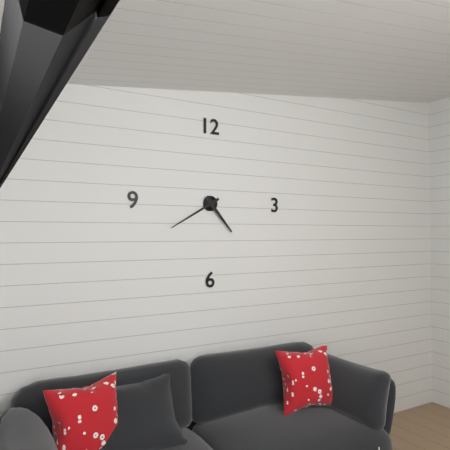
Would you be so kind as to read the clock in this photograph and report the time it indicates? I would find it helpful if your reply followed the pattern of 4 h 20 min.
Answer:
4 h 40 min
